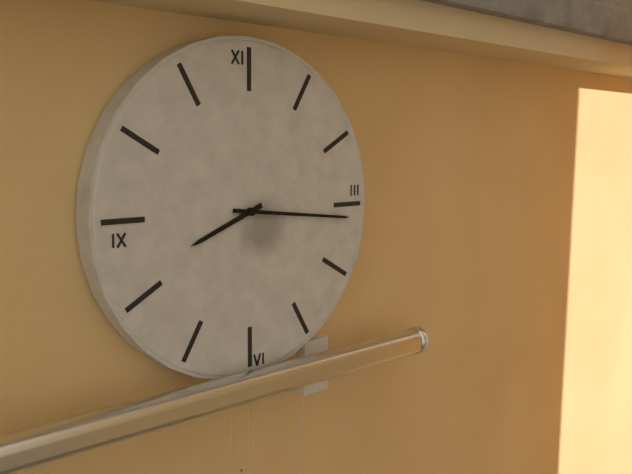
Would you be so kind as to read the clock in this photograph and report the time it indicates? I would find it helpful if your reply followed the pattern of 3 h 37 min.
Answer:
8 h 16 min
